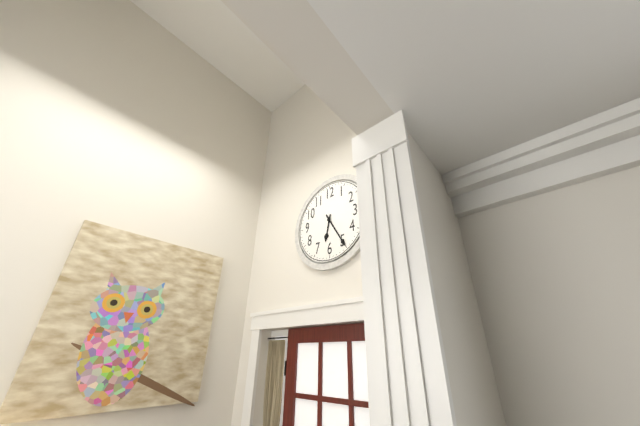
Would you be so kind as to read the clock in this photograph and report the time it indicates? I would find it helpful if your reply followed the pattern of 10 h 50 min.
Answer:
6 h 25 min
